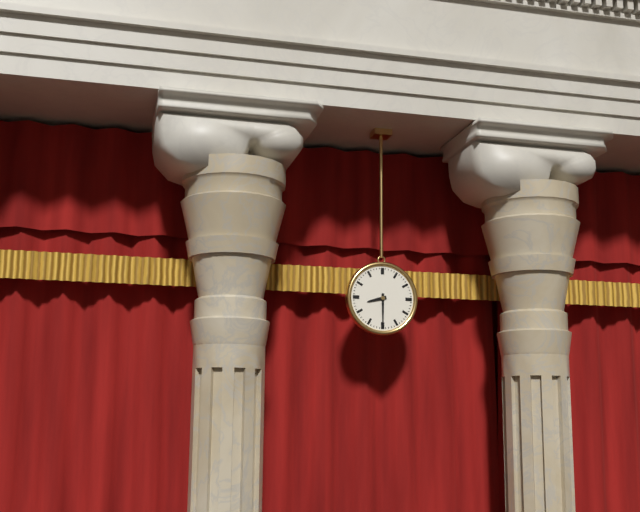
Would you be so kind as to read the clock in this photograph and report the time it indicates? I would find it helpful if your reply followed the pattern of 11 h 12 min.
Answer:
8 h 30 min
